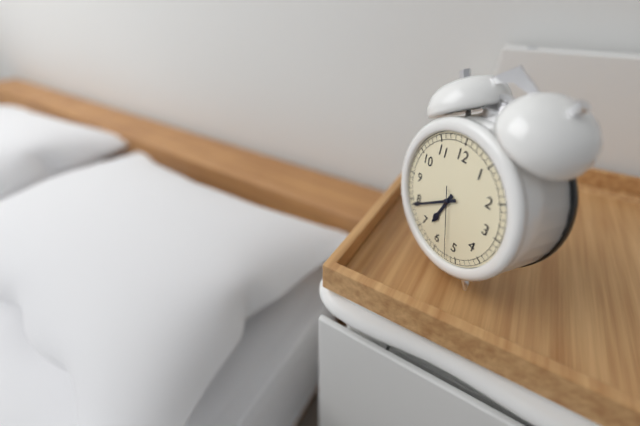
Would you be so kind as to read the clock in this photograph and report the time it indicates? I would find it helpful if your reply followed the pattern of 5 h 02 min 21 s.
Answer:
6 h 39 min 27 s
